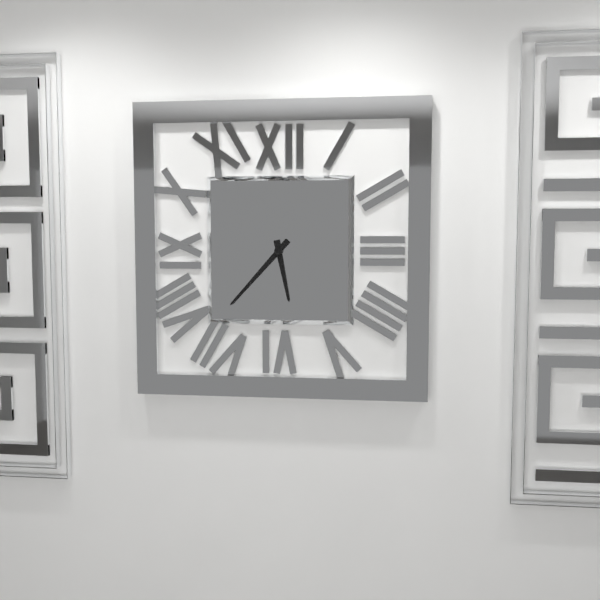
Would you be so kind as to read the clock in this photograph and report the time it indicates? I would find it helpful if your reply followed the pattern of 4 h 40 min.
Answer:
5 h 37 min
